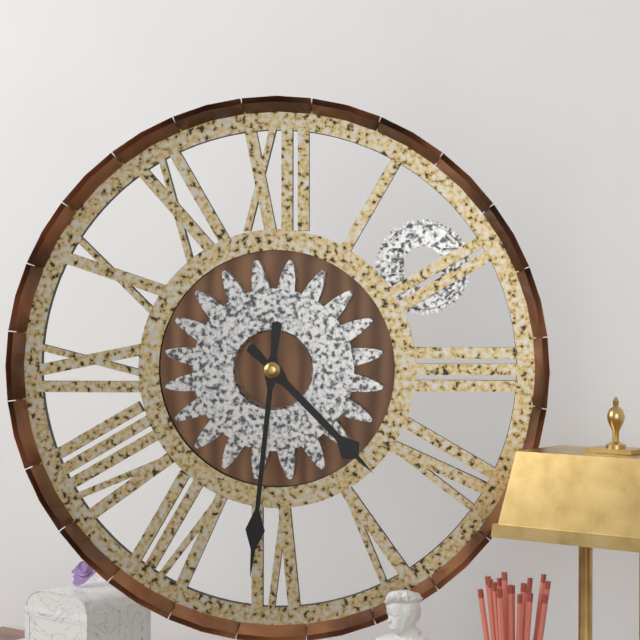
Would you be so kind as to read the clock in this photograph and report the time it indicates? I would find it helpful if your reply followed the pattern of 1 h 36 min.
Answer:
4 h 31 min
